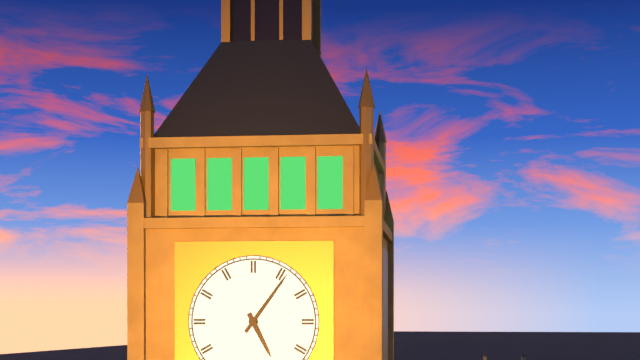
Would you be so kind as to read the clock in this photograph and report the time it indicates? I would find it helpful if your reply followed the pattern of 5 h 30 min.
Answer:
5 h 06 min
